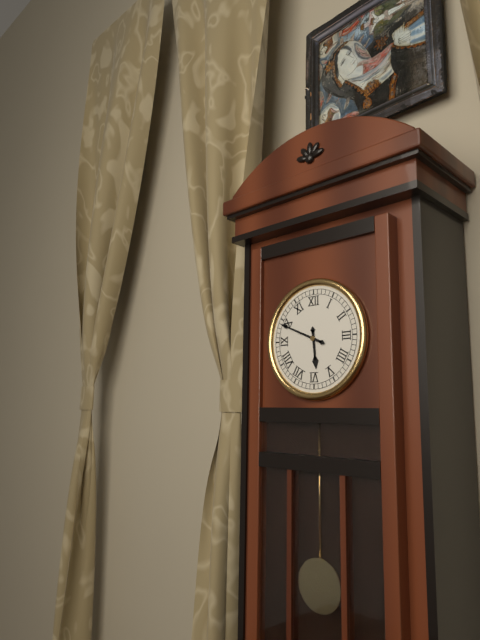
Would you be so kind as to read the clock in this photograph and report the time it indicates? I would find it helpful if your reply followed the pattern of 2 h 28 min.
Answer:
5 h 49 min
